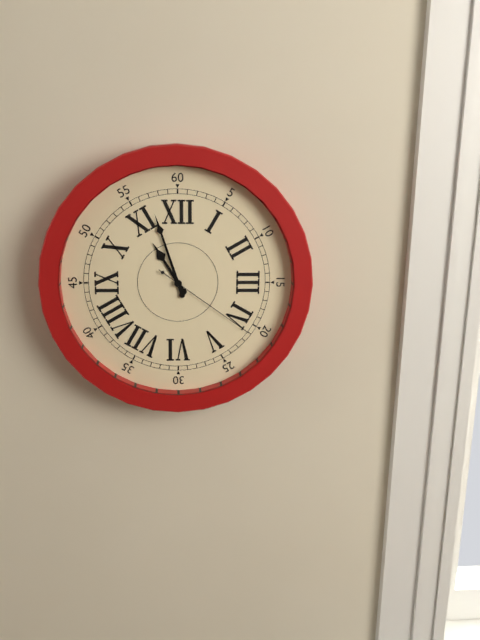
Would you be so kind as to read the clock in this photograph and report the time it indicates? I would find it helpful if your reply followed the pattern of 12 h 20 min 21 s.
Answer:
10 h 57 min 21 s
